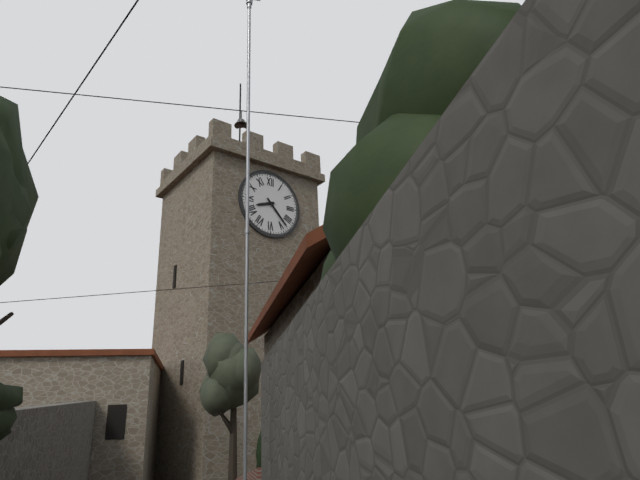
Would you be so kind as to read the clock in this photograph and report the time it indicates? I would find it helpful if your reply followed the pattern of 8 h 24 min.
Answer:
8 h 23 min
